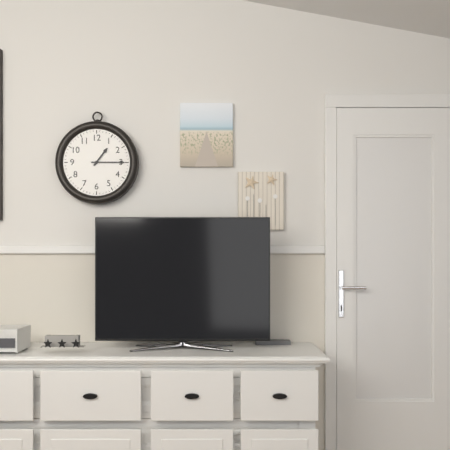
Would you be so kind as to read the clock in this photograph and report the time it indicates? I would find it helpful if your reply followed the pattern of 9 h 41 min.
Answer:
1 h 15 min
